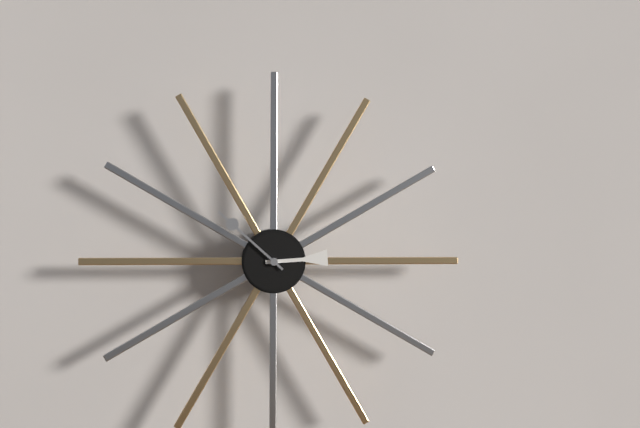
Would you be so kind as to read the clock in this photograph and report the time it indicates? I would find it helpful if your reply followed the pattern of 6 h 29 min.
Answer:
2 h 52 min
